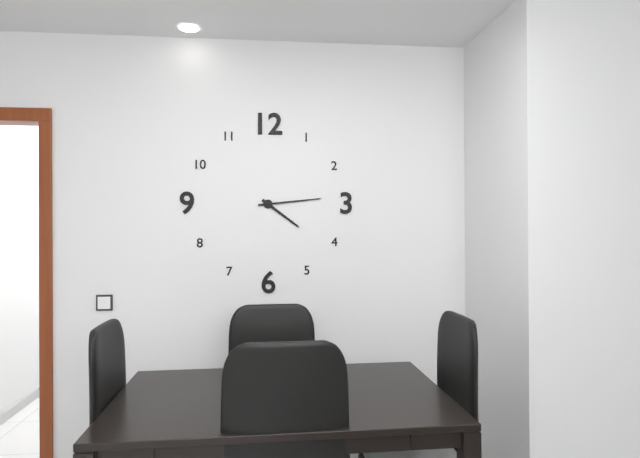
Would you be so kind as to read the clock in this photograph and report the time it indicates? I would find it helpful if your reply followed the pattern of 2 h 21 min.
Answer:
4 h 14 min
